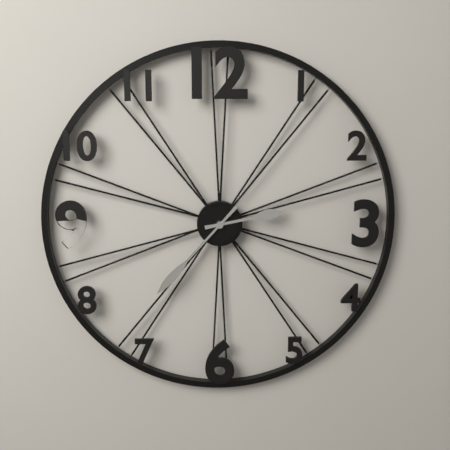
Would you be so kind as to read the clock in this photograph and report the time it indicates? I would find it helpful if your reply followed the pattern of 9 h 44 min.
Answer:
2 h 37 min
